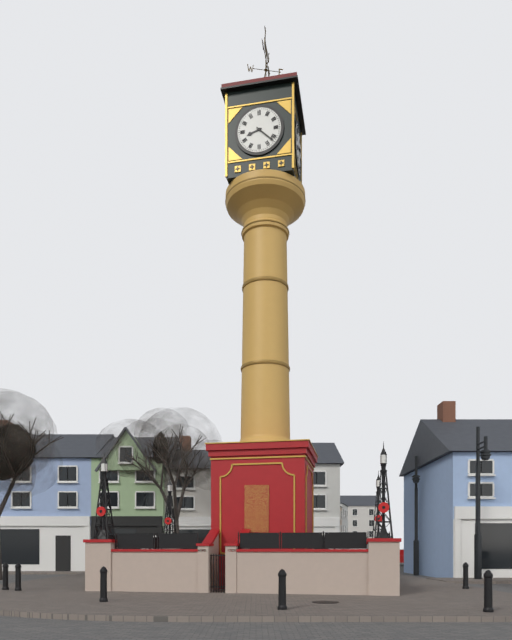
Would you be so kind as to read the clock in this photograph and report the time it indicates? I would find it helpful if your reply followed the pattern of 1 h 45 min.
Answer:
8 h 22 min
